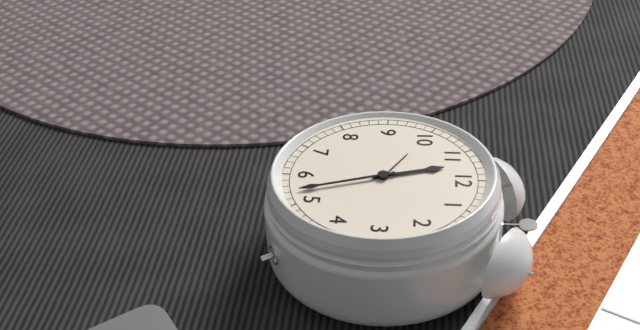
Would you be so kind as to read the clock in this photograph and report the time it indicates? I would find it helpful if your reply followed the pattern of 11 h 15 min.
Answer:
11 h 27 min
